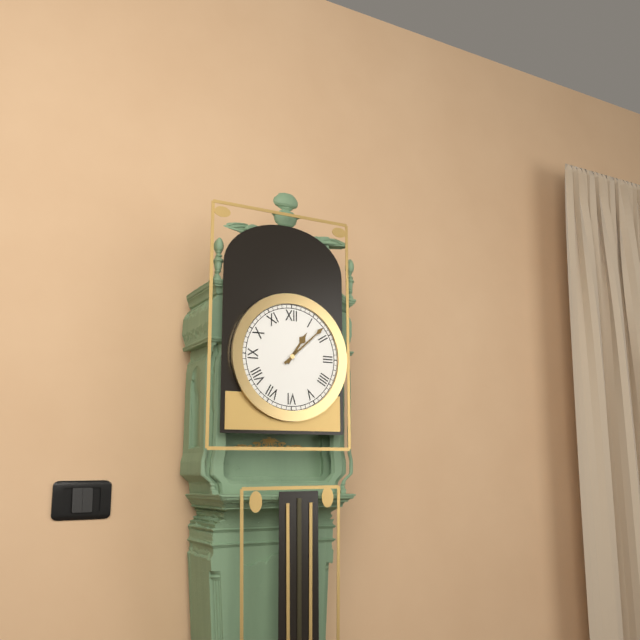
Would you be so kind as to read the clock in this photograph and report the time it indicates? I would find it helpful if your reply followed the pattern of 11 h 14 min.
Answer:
1 h 08 min
